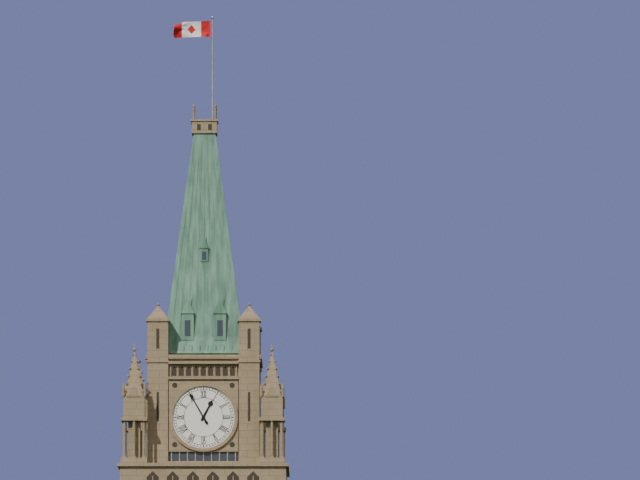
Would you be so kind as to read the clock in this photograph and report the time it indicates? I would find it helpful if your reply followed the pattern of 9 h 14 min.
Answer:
12 h 55 min
